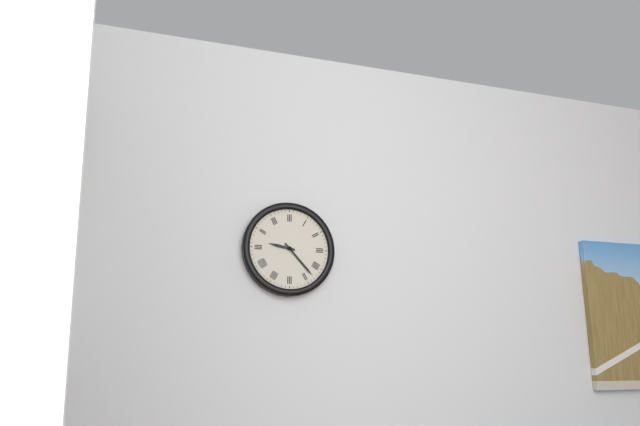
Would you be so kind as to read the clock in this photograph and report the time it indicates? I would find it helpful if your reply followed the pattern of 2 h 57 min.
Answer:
9 h 23 min
